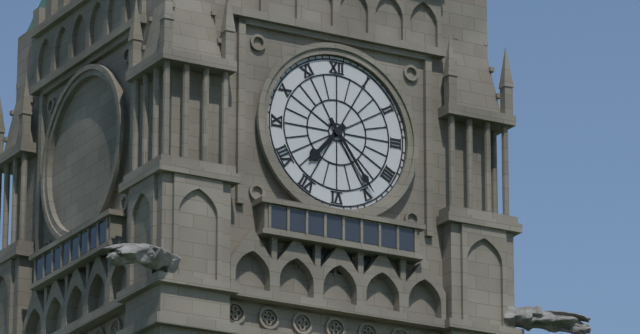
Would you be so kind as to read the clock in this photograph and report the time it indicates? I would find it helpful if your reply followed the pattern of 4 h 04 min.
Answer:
7 h 24 min
